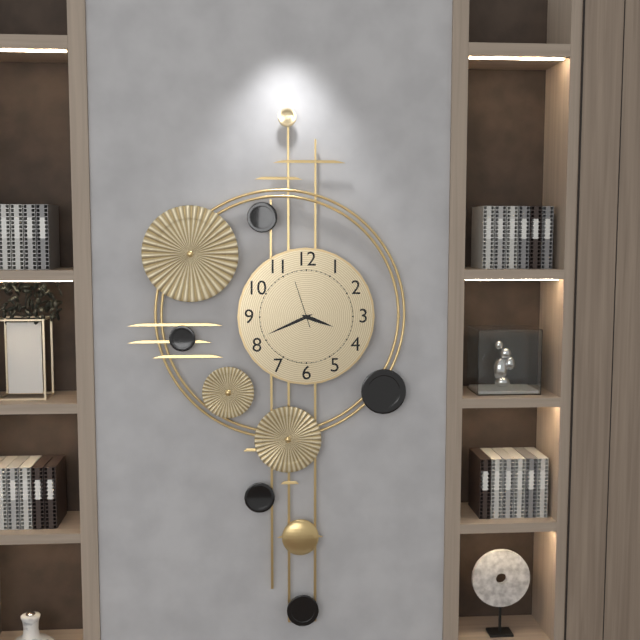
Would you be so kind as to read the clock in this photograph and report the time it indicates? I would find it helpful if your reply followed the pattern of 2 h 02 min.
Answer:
3 h 41 min
